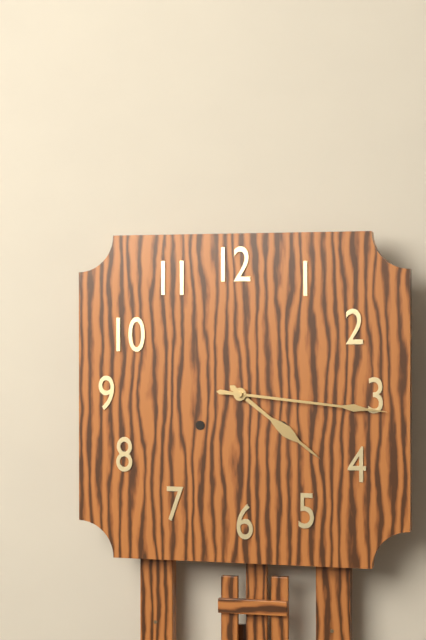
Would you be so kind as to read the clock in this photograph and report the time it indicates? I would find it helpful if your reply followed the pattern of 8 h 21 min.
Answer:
4 h 16 min
